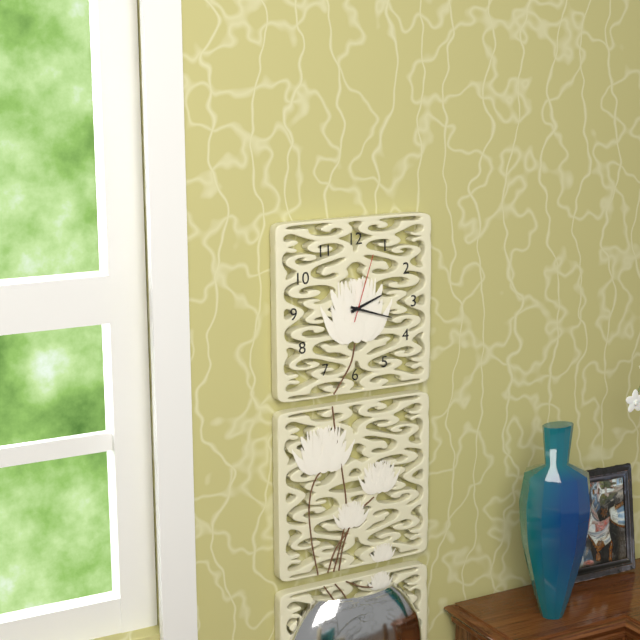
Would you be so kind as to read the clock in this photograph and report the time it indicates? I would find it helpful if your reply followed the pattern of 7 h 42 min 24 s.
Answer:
2 h 18 min 03 s
